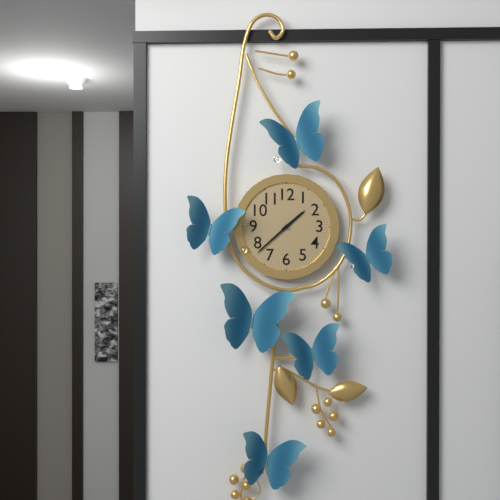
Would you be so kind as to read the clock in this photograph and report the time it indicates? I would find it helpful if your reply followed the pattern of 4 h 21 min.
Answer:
1 h 38 min
